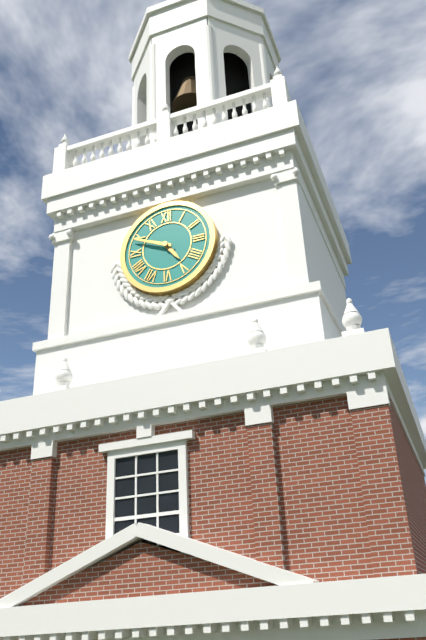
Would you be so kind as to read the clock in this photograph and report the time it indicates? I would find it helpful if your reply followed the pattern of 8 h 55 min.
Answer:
4 h 49 min
